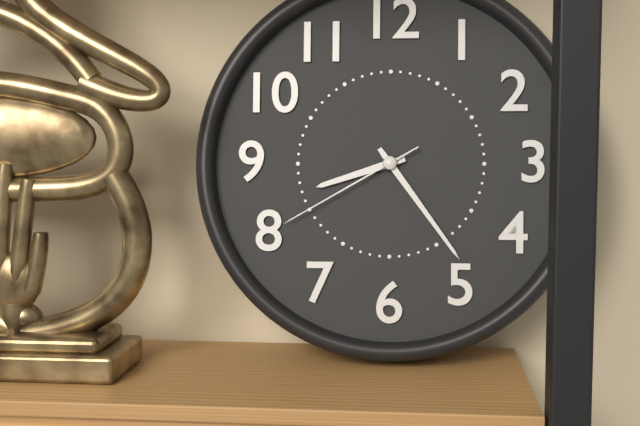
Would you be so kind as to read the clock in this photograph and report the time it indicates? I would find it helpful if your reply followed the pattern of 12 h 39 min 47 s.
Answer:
8 h 24 min 40 s
